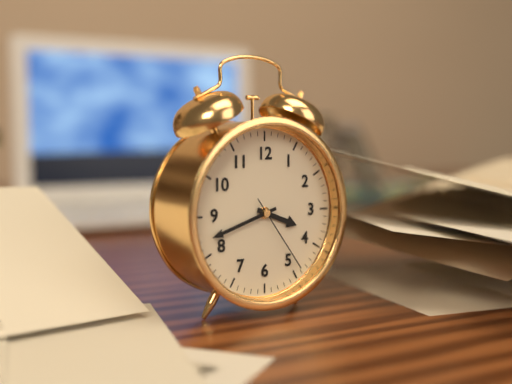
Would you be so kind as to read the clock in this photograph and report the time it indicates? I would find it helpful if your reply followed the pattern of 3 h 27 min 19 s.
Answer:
3 h 42 min 24 s
